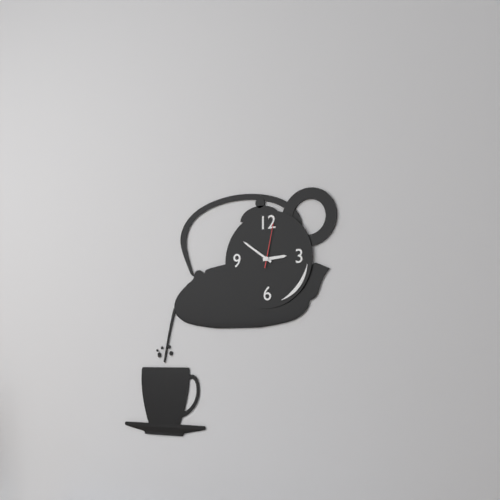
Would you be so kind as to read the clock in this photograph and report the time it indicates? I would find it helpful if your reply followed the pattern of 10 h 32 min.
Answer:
2 h 51 min
